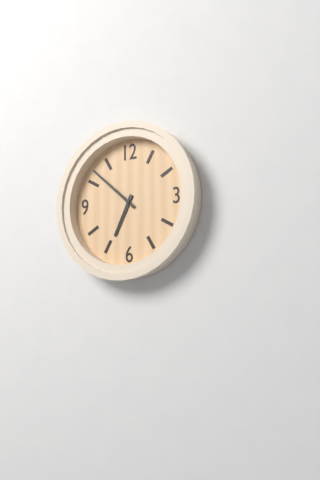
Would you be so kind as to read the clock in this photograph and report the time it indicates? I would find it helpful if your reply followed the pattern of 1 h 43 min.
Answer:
6 h 52 min
